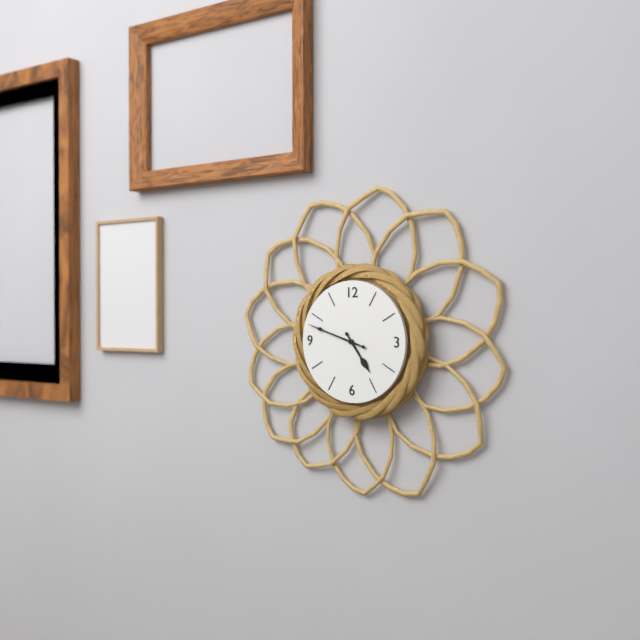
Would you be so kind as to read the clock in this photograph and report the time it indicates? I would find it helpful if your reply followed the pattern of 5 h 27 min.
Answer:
4 h 48 min
